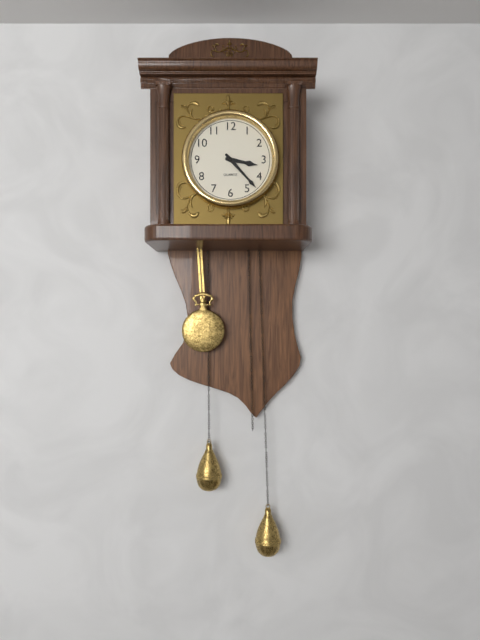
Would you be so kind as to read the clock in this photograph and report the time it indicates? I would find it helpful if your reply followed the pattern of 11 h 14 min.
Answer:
3 h 23 min
